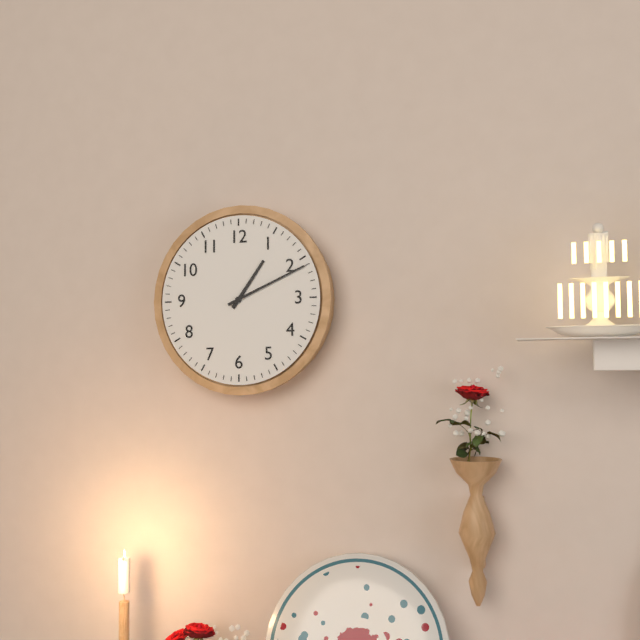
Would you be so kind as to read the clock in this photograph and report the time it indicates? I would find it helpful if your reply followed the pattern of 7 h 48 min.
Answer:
1 h 11 min
